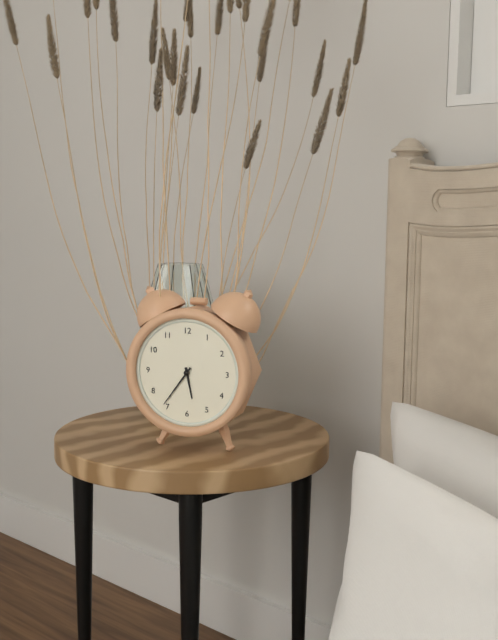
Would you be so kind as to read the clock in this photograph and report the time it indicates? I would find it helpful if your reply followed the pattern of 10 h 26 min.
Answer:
5 h 36 min
